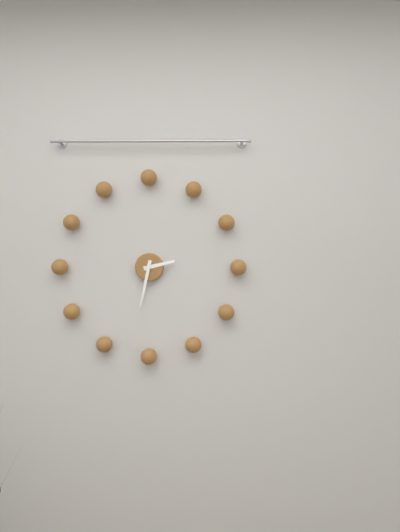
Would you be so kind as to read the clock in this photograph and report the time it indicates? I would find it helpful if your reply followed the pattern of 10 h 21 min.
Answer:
2 h 32 min
